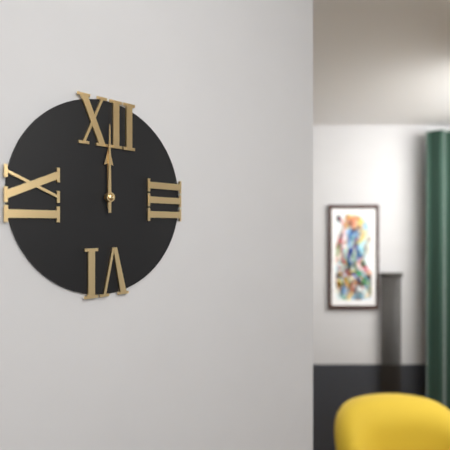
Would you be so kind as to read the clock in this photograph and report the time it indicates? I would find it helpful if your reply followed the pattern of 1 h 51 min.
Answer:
12 h 00 min
